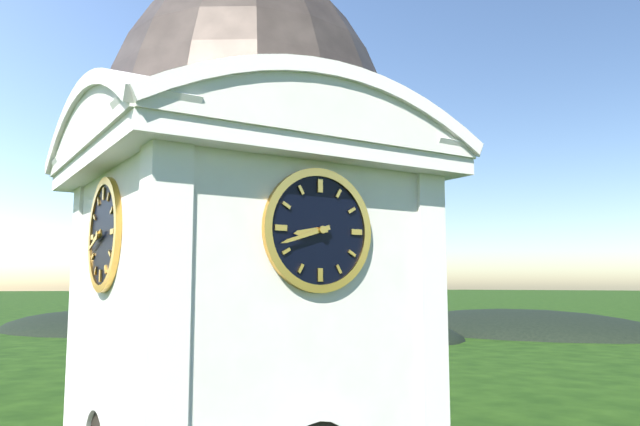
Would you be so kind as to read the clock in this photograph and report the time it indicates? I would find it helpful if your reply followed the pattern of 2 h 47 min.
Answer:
8 h 42 min
